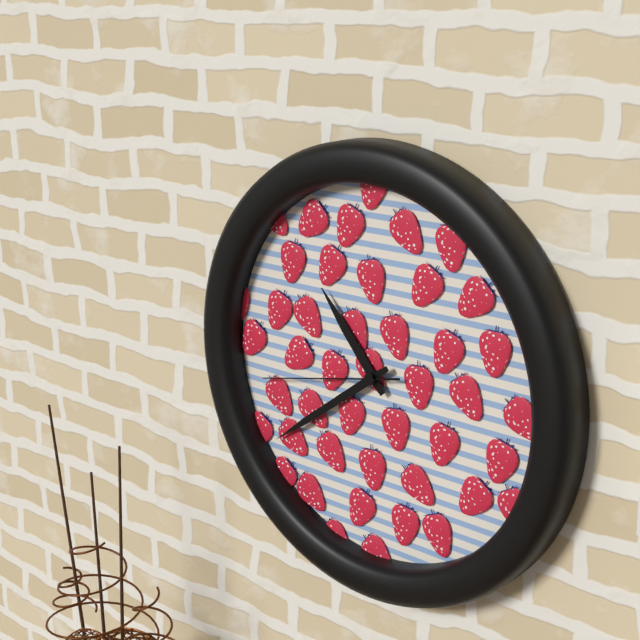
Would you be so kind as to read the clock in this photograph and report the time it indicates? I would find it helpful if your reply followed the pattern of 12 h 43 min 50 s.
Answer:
10 h 39 min 43 s
